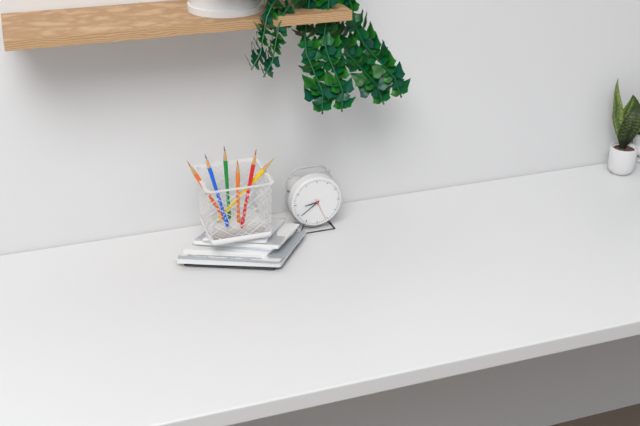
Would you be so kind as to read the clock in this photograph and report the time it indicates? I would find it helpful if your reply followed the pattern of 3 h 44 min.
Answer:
8 h 39 min
